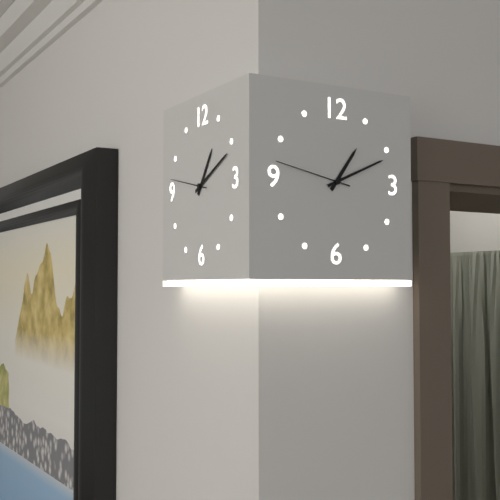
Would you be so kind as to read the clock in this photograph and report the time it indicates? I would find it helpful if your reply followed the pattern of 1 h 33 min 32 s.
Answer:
1 h 11 min 47 s
